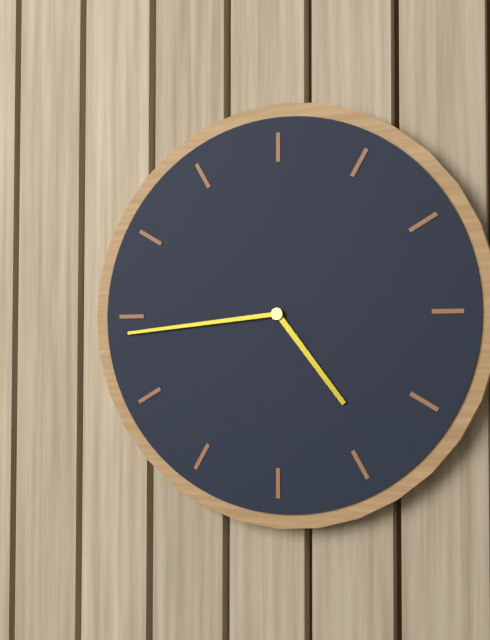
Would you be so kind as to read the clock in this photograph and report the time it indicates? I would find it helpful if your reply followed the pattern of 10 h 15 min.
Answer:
4 h 44 min
